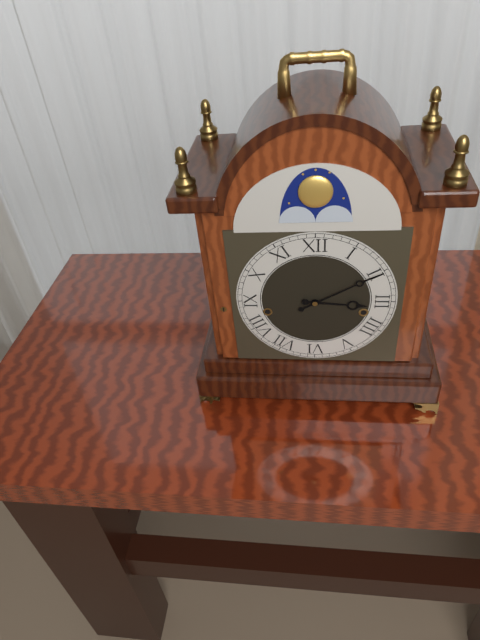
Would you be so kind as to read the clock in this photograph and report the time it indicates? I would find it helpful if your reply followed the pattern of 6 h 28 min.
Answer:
3 h 10 min
